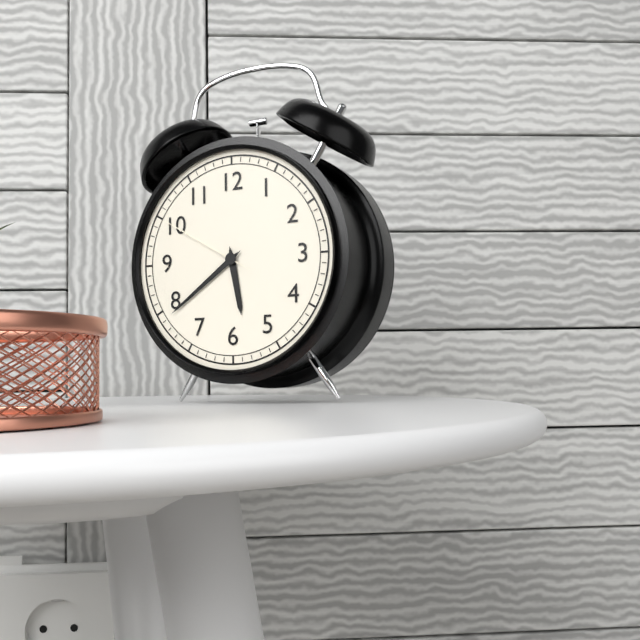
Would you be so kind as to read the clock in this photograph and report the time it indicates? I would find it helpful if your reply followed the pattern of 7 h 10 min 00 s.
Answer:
5 h 39 min 50 s
